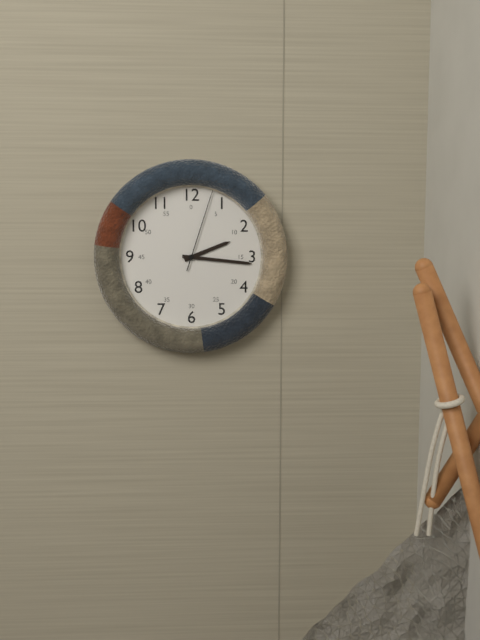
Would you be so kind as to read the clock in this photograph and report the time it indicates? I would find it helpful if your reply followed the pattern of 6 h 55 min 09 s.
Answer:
2 h 16 min 03 s
